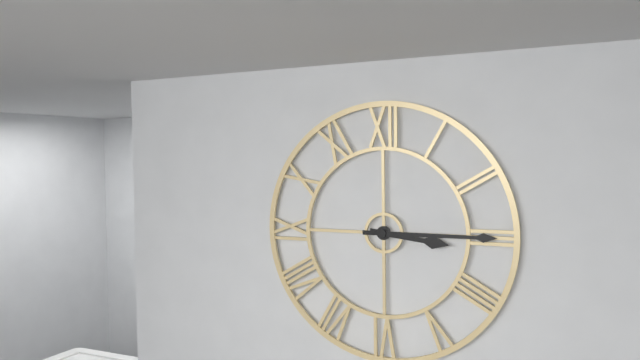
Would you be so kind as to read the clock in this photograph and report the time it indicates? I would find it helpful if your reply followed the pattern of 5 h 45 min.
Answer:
3 h 15 min
